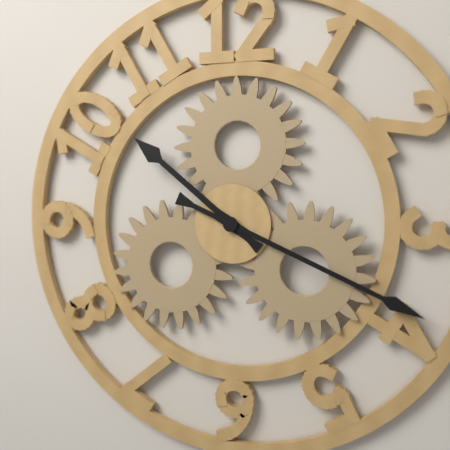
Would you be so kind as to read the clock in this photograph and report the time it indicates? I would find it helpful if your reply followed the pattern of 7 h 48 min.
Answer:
10 h 19 min
